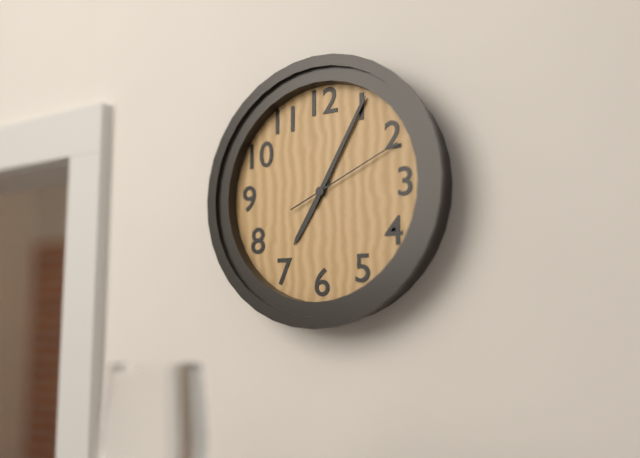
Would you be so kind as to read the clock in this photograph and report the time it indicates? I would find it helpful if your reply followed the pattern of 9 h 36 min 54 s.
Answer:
7 h 05 min 11 s
